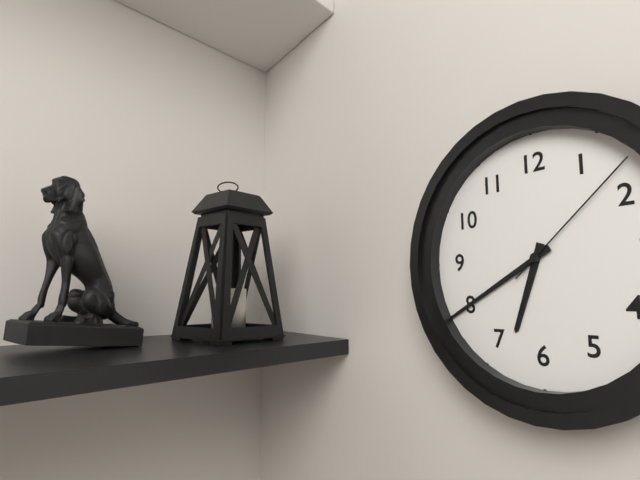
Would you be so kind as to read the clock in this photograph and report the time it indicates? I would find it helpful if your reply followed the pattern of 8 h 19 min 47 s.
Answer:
6 h 40 min 08 s
